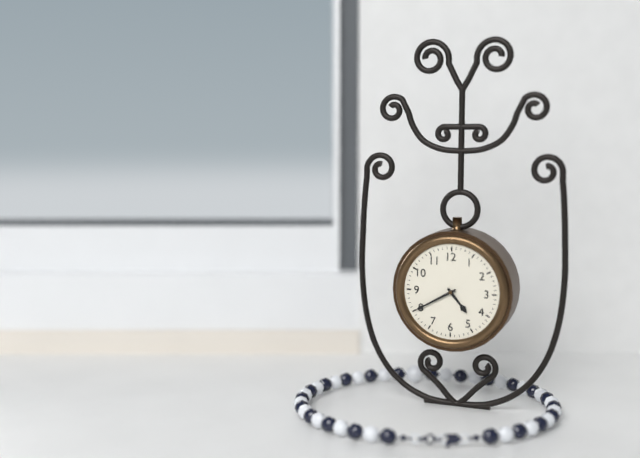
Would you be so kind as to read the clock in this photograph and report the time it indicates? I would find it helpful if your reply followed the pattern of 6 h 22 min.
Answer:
4 h 40 min
